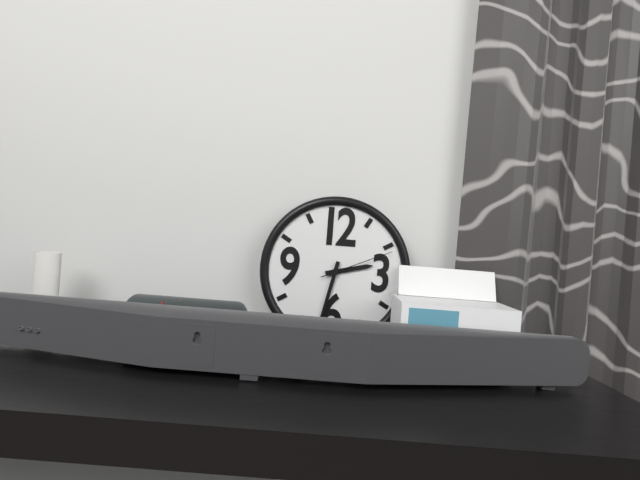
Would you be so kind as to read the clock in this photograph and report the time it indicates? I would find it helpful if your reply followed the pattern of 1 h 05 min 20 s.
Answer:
2 h 32 min 11 s
